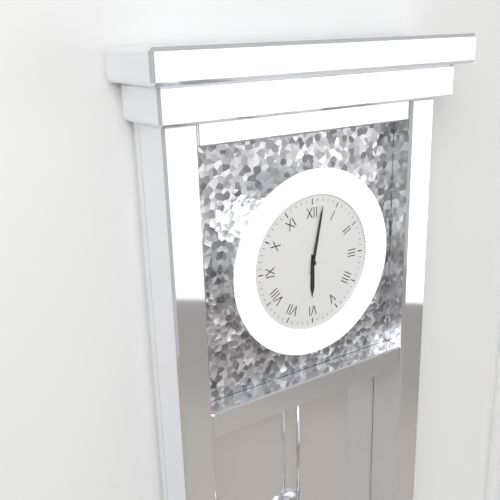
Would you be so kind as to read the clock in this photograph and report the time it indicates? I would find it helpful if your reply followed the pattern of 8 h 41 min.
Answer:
6 h 02 min
